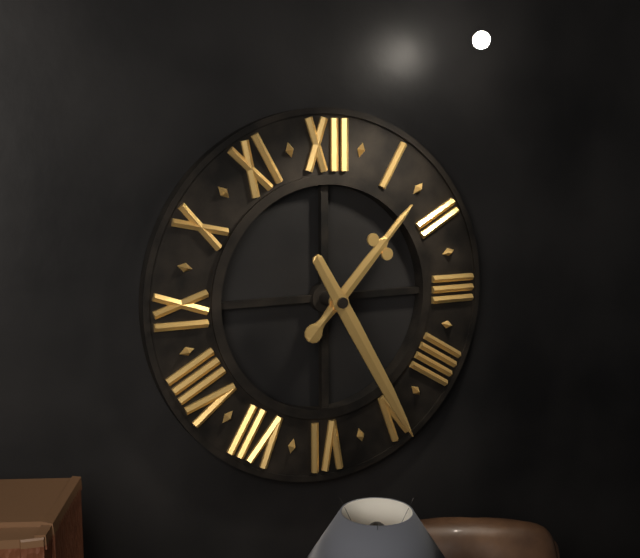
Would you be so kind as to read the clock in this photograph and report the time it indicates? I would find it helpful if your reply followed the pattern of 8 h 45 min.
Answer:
1 h 25 min
